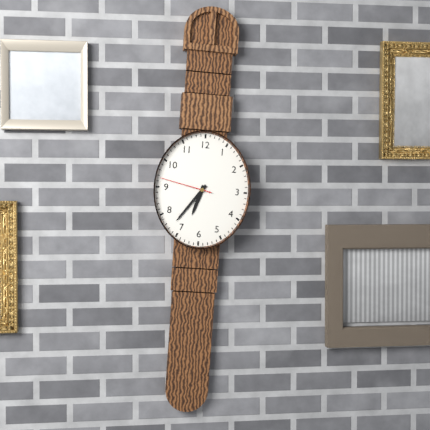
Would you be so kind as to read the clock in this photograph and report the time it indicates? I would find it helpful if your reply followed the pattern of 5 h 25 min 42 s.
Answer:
6 h 36 min 47 s
